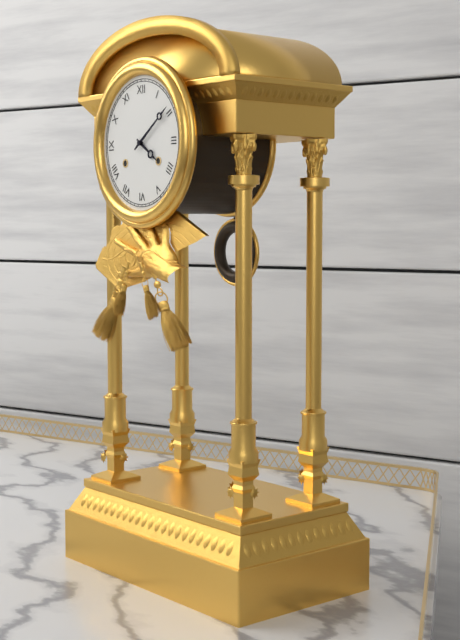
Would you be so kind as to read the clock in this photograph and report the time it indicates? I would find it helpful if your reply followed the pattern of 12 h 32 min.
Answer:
4 h 09 min
